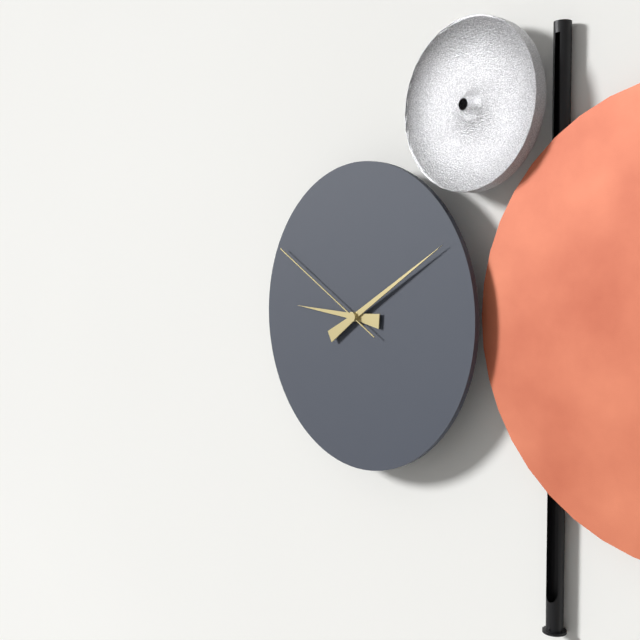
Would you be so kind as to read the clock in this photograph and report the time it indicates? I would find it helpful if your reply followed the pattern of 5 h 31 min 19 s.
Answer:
9 h 10 min 50 s
